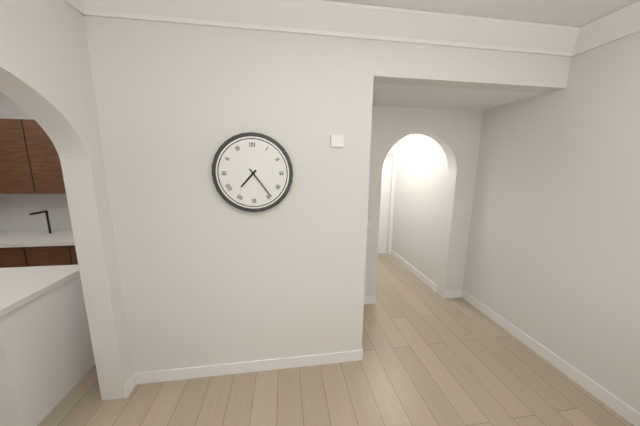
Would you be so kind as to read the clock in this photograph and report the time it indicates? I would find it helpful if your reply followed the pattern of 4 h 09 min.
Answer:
7 h 24 min
